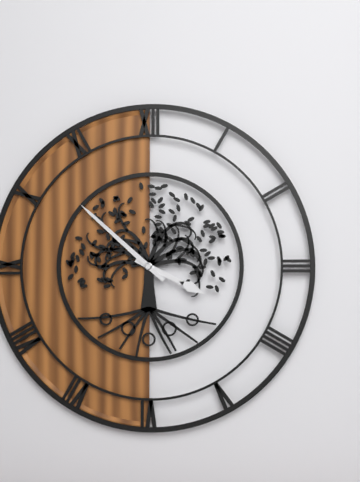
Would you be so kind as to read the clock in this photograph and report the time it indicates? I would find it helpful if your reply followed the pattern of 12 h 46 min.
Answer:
3 h 52 min
